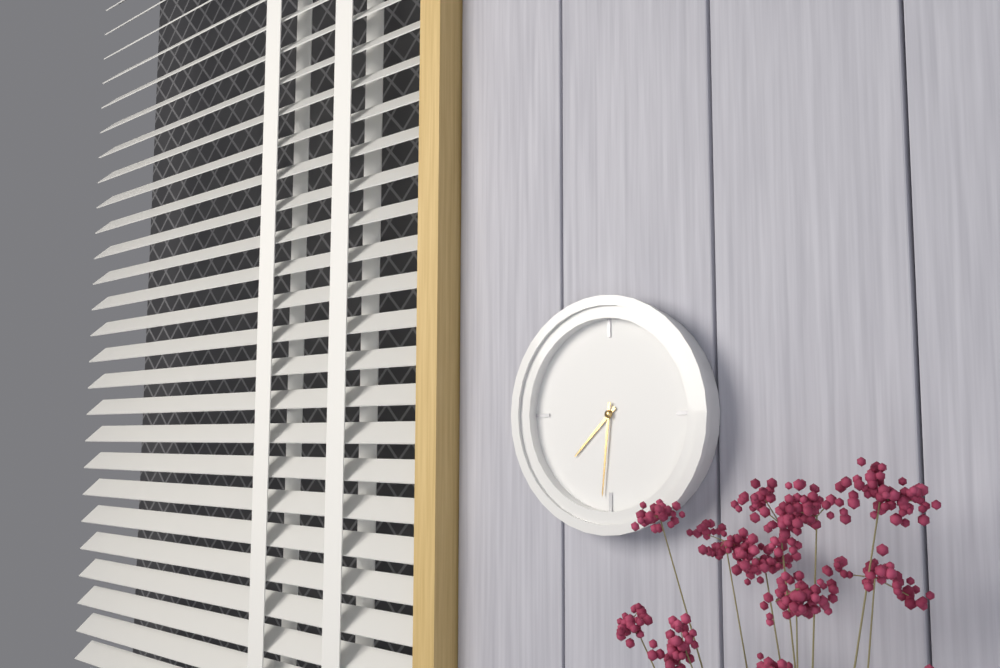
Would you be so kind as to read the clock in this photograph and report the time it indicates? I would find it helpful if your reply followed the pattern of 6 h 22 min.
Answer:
7 h 31 min
